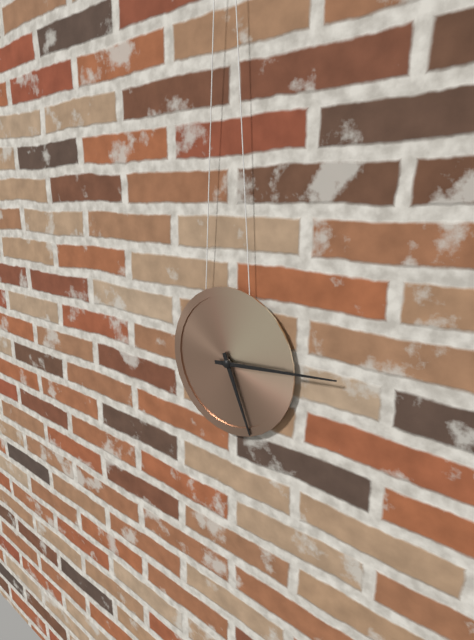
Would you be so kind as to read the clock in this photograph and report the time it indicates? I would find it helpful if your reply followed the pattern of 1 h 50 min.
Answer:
5 h 14 min
